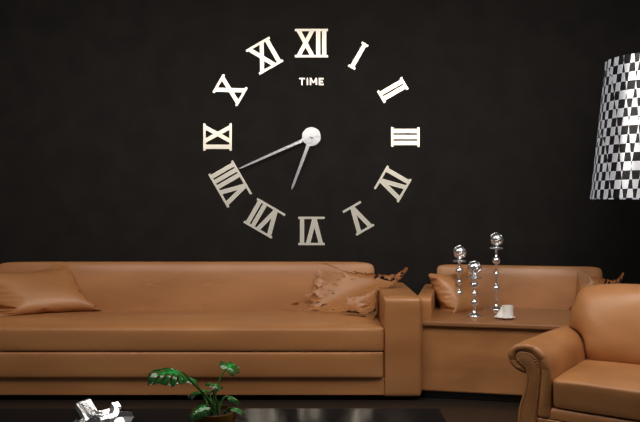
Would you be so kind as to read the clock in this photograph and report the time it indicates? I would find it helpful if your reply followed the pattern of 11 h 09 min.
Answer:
6 h 41 min
